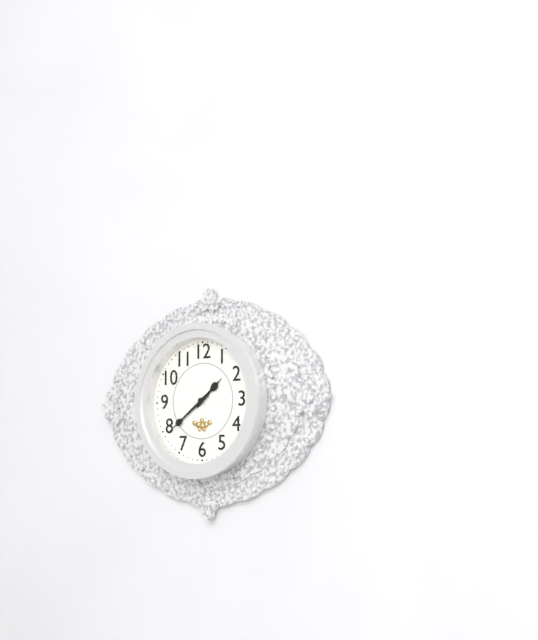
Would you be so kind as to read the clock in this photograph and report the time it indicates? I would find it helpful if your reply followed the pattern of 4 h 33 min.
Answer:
1 h 39 min
